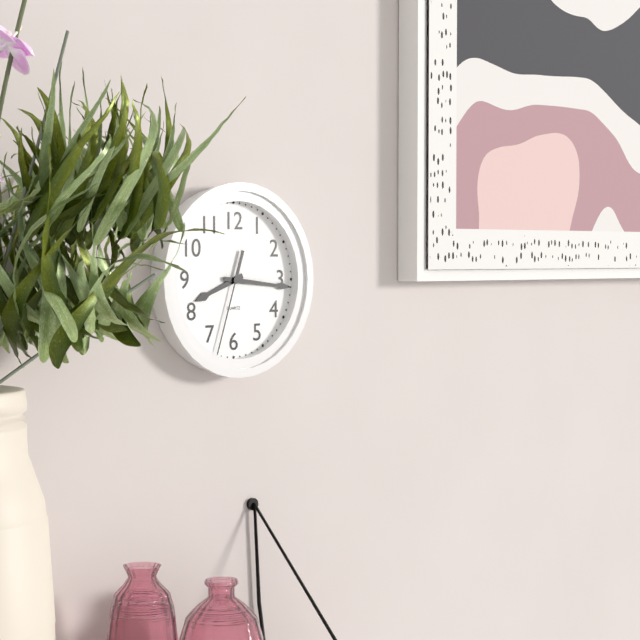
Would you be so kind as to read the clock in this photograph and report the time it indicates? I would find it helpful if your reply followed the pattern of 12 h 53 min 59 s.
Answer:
8 h 16 min 33 s
